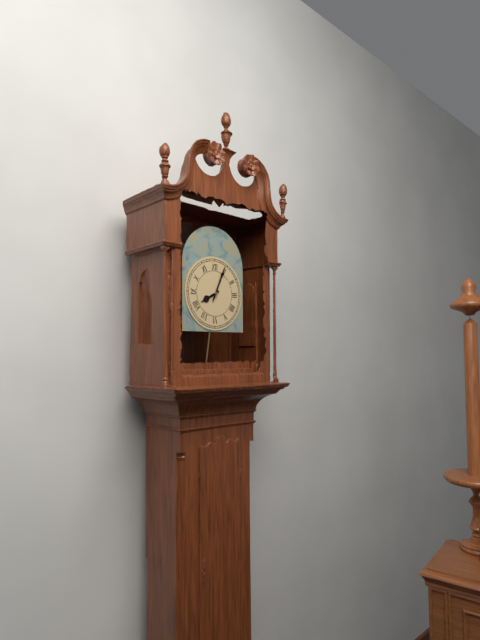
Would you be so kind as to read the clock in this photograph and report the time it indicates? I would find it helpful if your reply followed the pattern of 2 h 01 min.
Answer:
8 h 04 min
